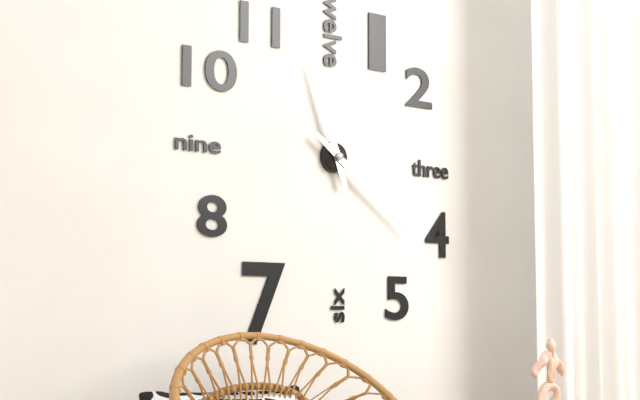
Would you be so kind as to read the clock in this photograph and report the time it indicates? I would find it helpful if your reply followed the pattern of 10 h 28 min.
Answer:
11 h 21 min
